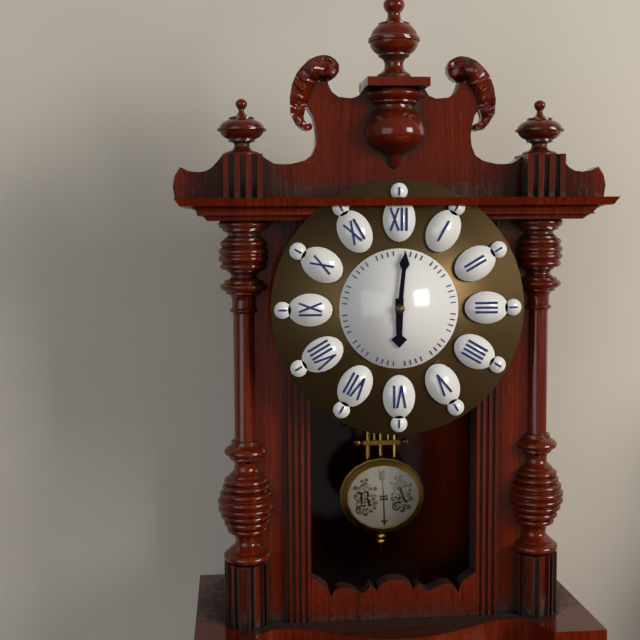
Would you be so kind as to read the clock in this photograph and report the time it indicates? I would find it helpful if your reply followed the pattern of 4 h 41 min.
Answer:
6 h 01 min
